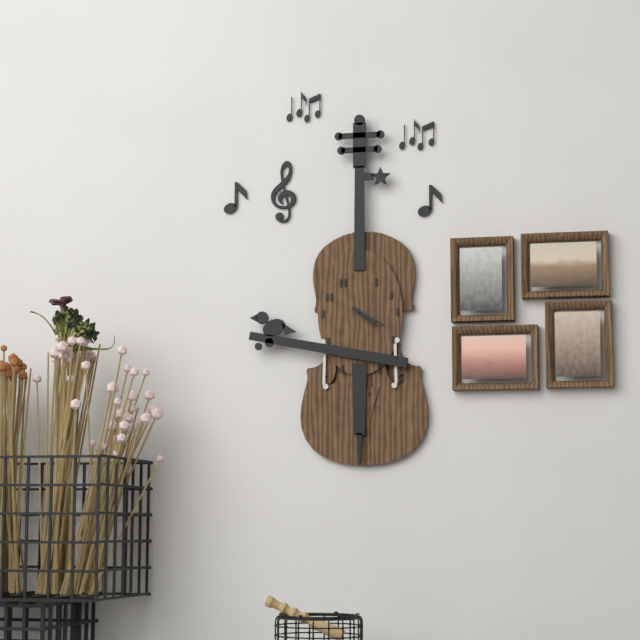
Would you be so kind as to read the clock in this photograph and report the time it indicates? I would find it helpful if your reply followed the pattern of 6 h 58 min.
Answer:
4 h 20 min
